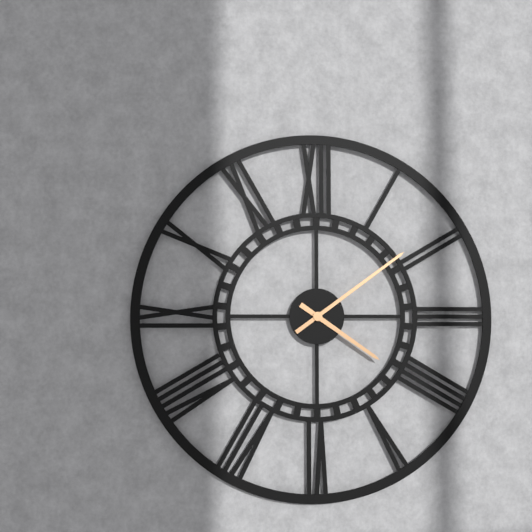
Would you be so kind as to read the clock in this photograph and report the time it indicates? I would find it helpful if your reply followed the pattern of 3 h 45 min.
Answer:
4 h 09 min
